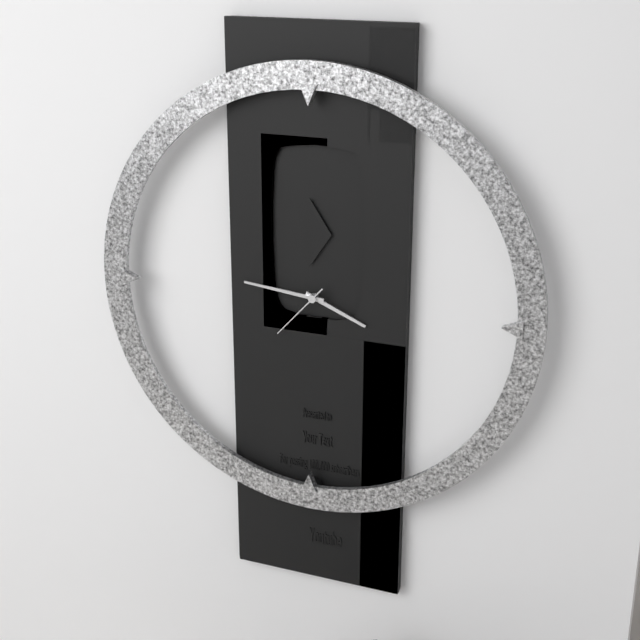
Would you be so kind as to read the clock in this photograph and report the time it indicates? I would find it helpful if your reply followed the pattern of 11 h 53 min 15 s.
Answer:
3 h 46 min 37 s
